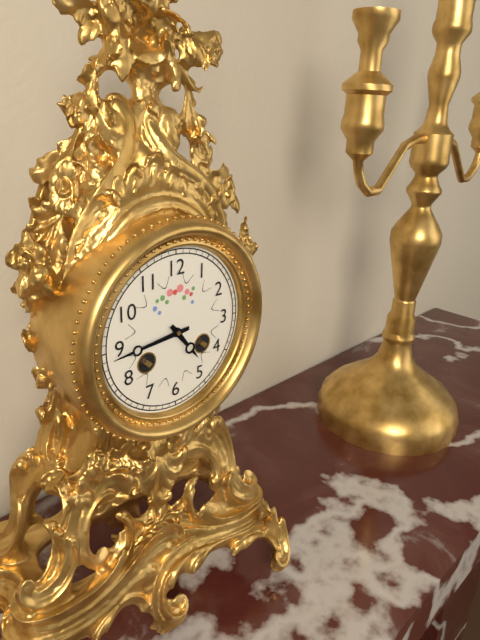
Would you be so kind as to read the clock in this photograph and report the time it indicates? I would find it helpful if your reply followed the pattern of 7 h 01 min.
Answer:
4 h 44 min
